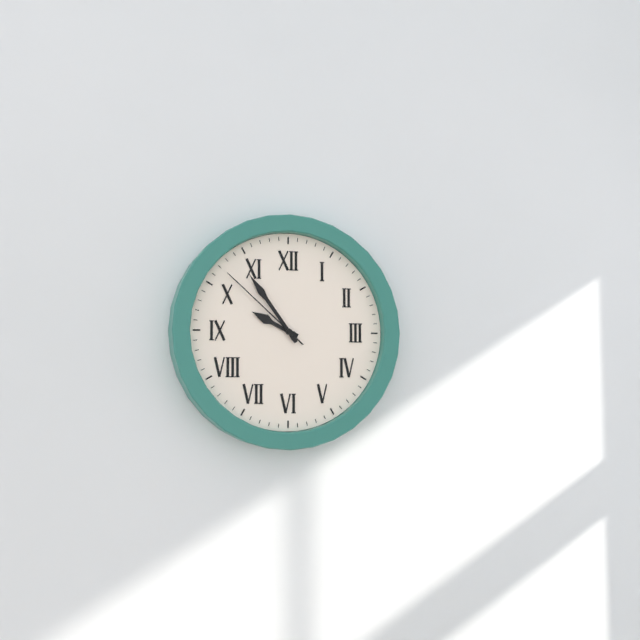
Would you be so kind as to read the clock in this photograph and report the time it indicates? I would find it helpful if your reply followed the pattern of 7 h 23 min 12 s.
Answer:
9 h 54 min 52 s
